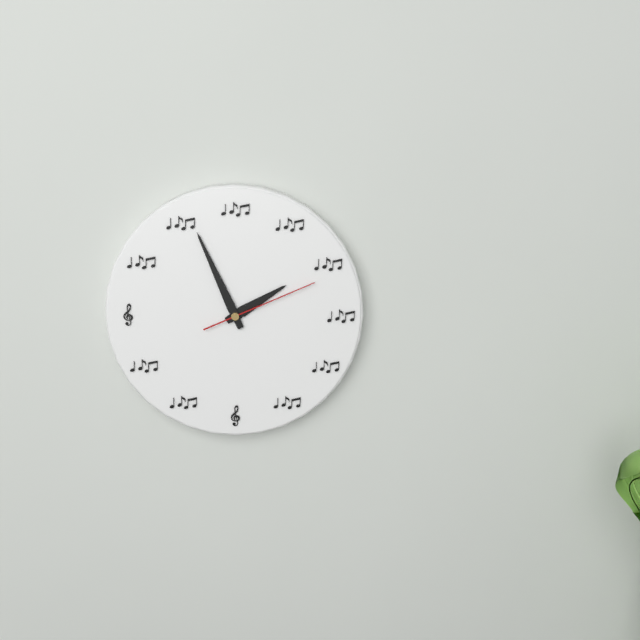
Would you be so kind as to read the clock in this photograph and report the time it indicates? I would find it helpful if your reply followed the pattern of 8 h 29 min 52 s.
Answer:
1 h 56 min 11 s
